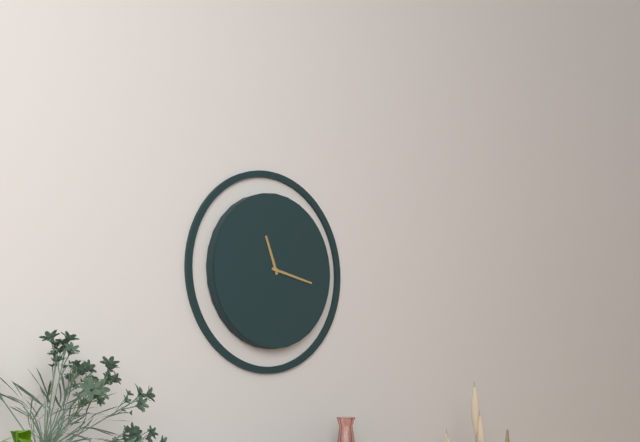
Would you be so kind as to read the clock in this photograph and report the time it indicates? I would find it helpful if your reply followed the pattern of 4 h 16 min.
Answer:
11 h 17 min
